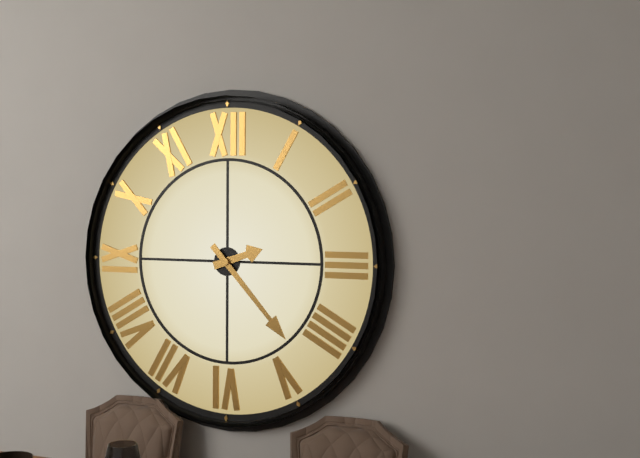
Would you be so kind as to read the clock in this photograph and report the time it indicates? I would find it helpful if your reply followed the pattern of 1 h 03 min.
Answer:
2 h 23 min
